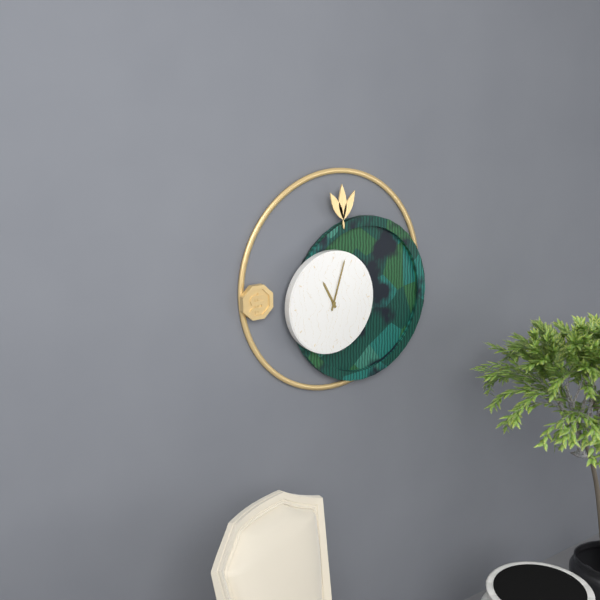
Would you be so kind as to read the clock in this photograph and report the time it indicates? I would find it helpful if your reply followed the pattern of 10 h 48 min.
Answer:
11 h 03 min
